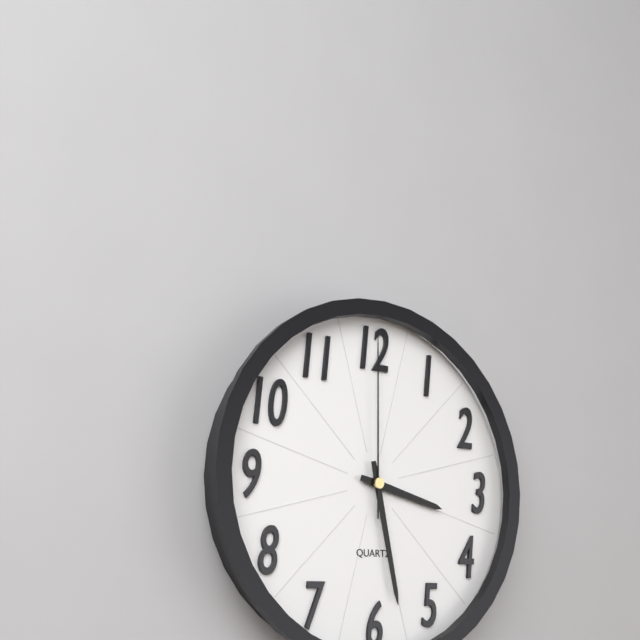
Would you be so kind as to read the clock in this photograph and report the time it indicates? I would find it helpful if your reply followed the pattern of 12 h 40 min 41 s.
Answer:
3 h 28 min 00 s
